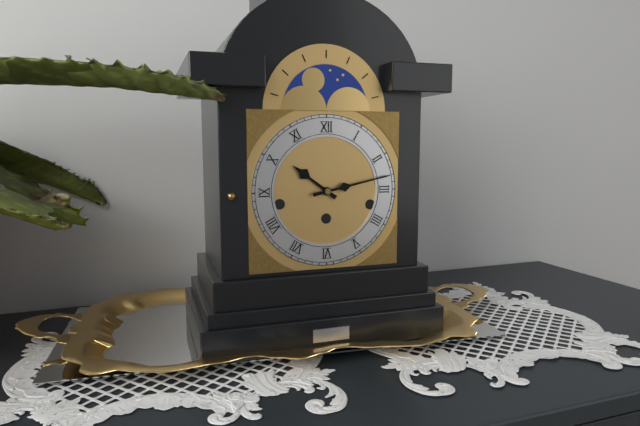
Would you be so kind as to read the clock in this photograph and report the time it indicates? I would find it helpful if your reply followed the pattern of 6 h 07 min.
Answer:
10 h 13 min
